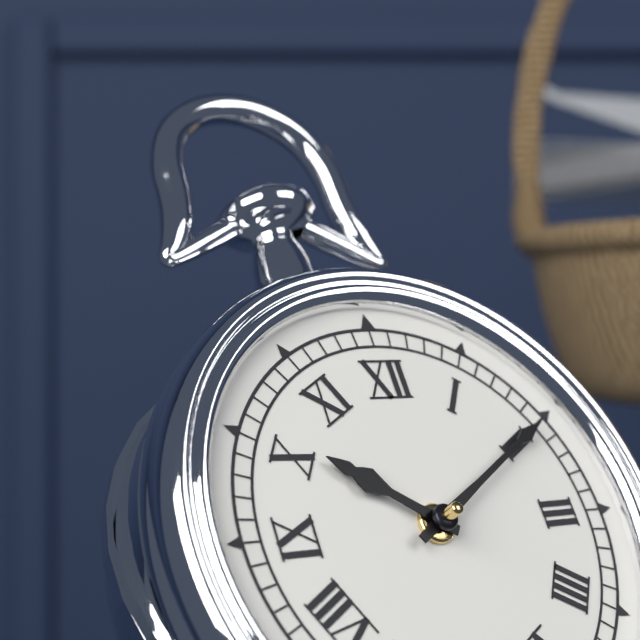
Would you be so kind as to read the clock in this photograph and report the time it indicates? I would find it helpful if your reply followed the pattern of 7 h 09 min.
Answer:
10 h 10 min
